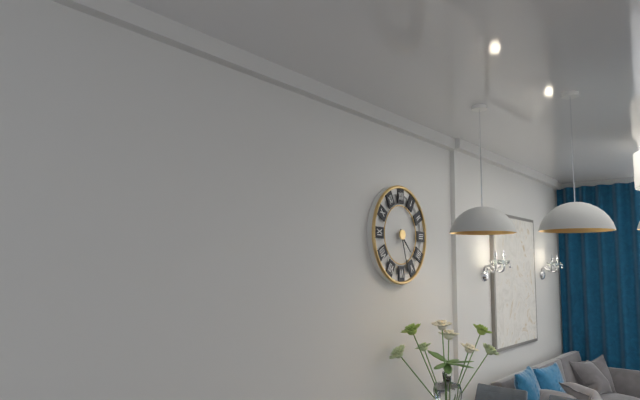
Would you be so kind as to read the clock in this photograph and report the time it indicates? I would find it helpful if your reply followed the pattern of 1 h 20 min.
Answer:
4 h 27 min
